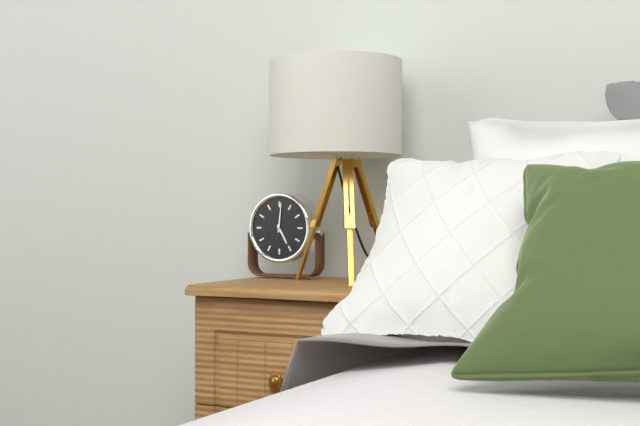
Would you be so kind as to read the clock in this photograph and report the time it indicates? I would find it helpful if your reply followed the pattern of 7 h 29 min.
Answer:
5 h 01 min
